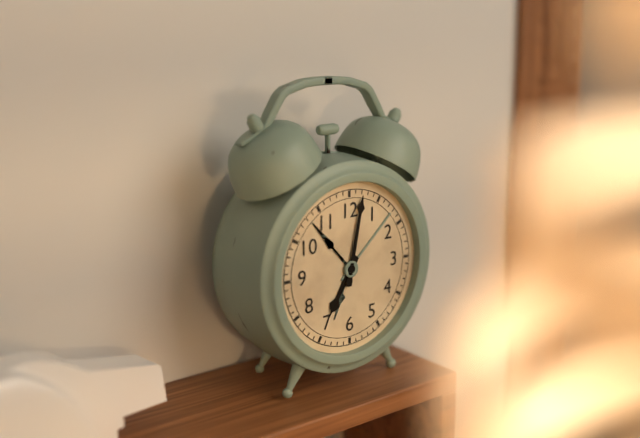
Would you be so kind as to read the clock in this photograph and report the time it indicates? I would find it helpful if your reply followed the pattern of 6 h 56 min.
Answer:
7 h 02 min
